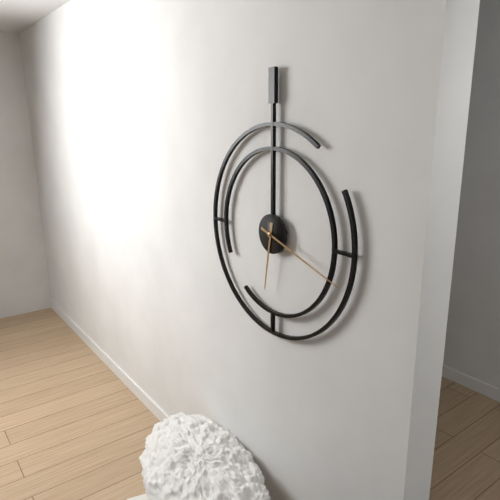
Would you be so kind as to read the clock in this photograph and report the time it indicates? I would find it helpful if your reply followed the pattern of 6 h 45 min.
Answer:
6 h 18 min
